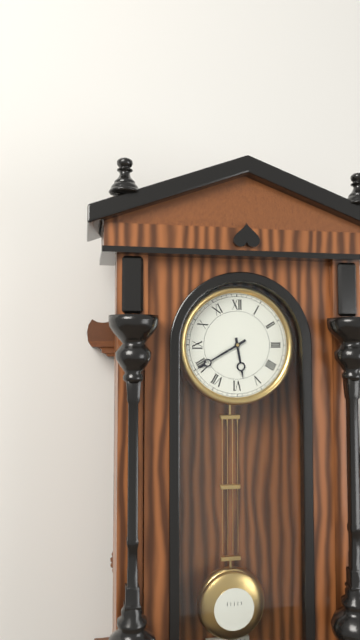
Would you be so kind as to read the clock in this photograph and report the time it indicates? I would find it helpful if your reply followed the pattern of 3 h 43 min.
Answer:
5 h 40 min
